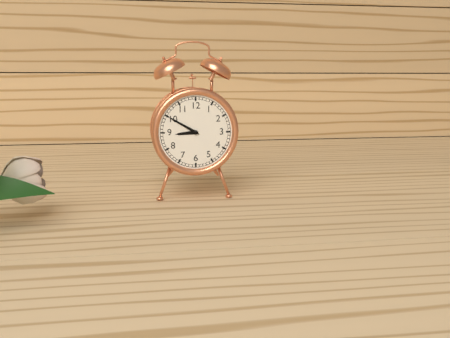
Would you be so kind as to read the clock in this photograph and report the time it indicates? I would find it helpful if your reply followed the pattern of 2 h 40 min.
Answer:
8 h 50 min
